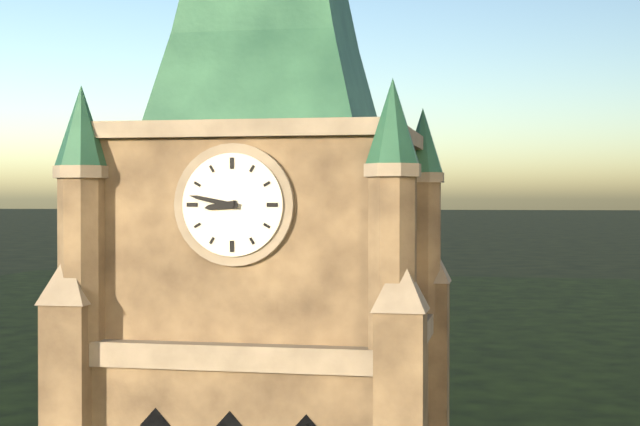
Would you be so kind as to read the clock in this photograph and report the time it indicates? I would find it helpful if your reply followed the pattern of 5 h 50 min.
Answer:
8 h 47 min
